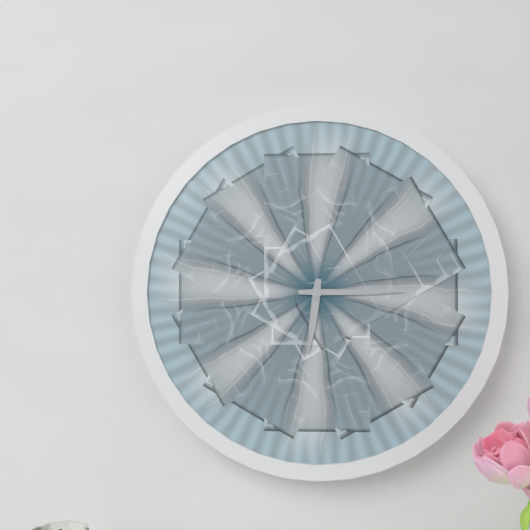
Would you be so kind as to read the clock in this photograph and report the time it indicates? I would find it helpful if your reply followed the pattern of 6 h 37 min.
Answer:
6 h 15 min
